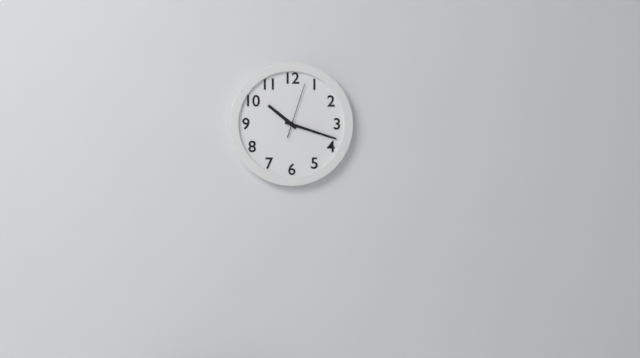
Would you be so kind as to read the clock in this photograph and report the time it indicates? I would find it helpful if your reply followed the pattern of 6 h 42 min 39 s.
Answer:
10 h 18 min 03 s
